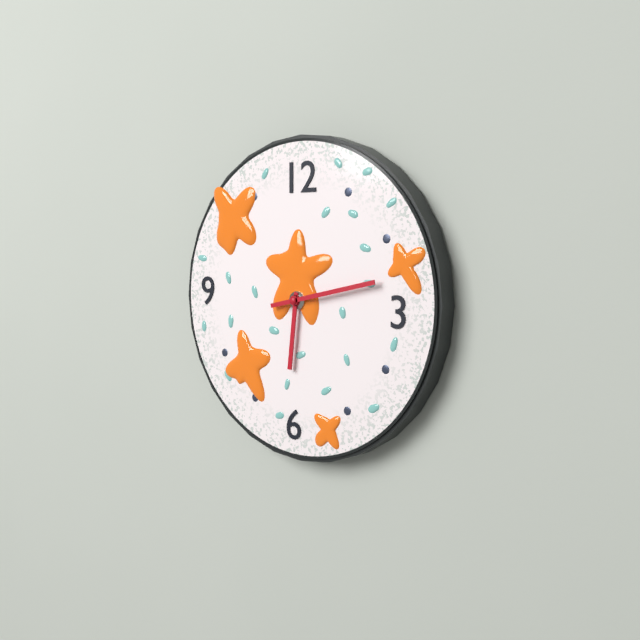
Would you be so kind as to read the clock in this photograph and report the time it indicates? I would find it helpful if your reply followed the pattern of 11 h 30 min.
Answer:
6 h 13 min
